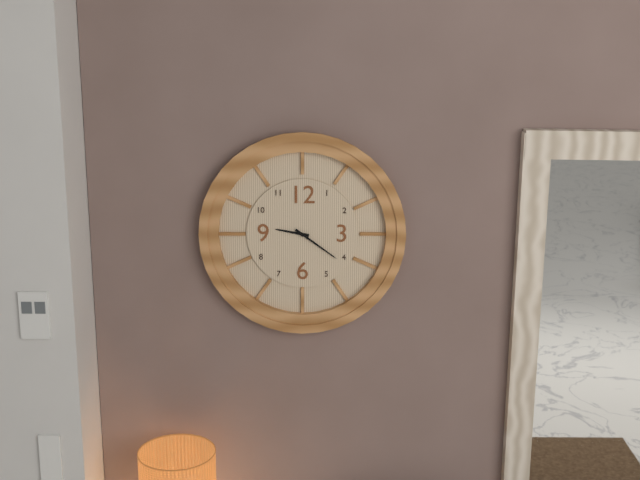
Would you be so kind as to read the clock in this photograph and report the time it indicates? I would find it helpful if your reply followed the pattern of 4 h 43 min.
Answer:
9 h 21 min
